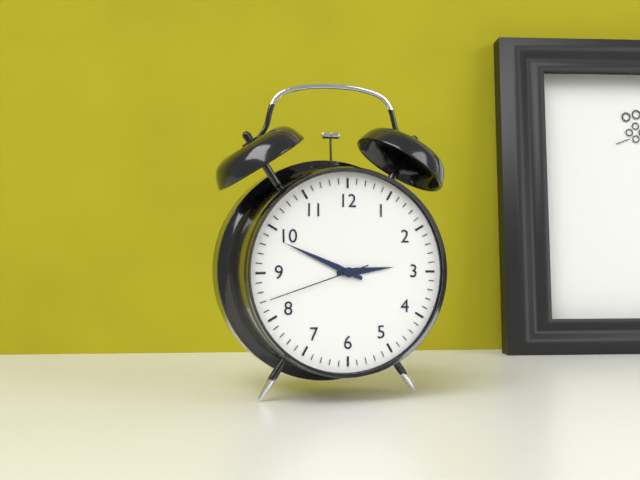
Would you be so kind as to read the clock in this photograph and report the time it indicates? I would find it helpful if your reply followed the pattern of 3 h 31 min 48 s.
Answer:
2 h 49 min 42 s
